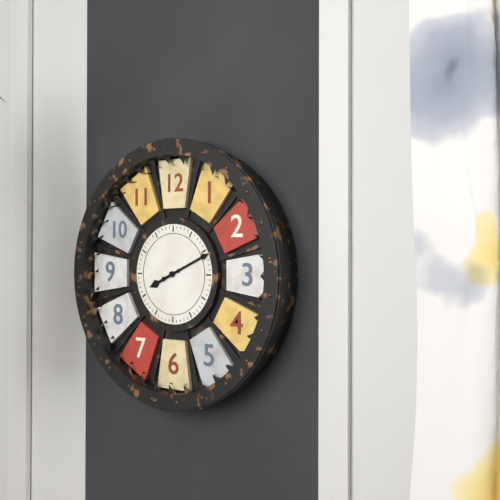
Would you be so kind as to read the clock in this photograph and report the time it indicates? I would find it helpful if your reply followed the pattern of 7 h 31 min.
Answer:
8 h 11 min
